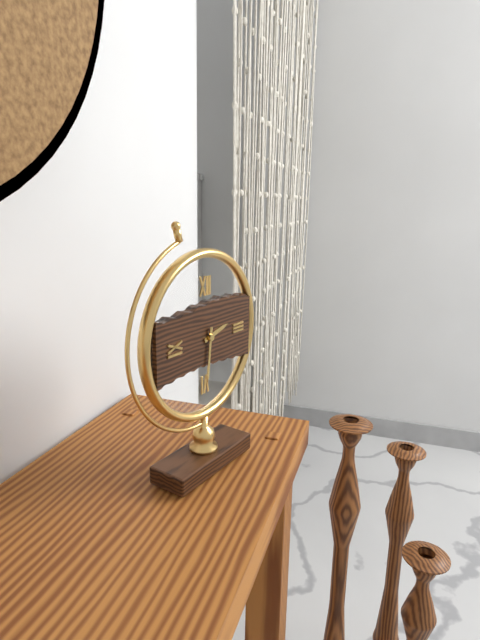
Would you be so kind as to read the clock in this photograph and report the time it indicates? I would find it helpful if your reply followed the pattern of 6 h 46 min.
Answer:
2 h 31 min
